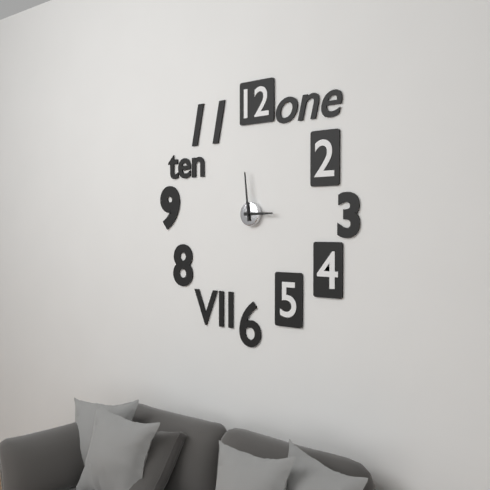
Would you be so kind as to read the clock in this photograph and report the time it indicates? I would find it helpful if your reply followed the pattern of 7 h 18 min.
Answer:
2 h 59 min
